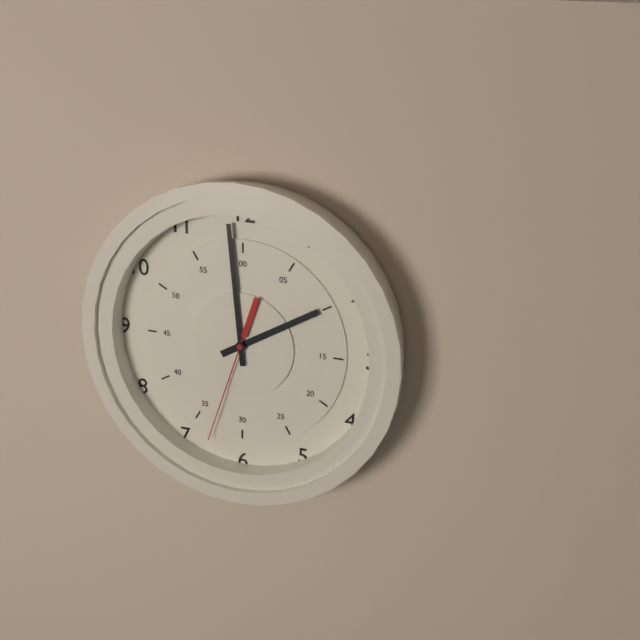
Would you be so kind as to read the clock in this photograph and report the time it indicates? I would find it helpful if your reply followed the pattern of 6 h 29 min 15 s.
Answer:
1 h 59 min 33 s
